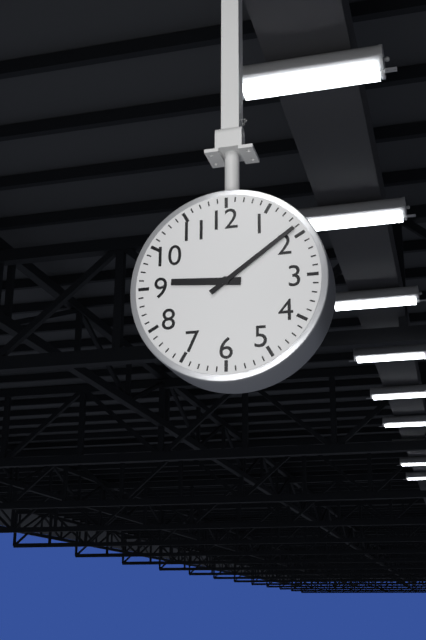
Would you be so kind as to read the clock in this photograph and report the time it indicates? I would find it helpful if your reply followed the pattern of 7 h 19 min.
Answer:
9 h 09 min
